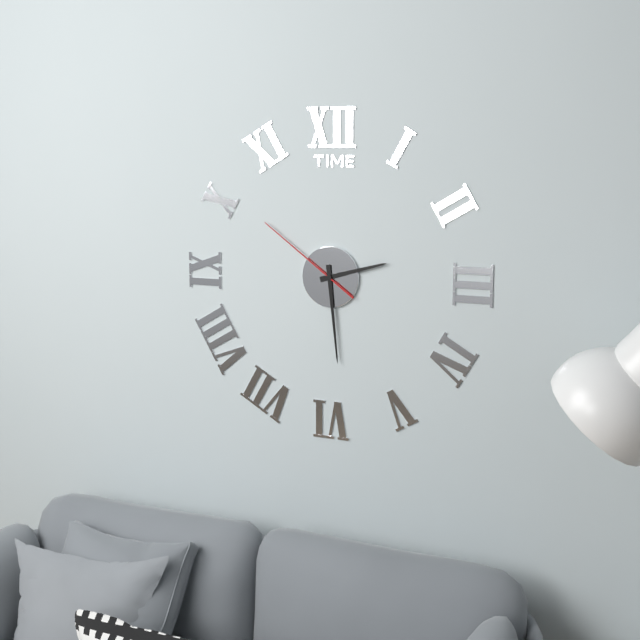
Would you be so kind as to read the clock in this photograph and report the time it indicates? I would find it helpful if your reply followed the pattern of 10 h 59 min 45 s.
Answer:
2 h 29 min 51 s
